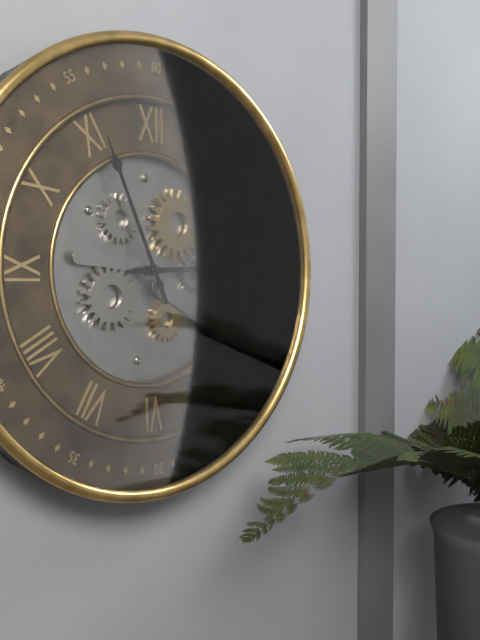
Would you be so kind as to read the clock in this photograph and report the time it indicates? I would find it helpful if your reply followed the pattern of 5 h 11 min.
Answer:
2 h 56 min
